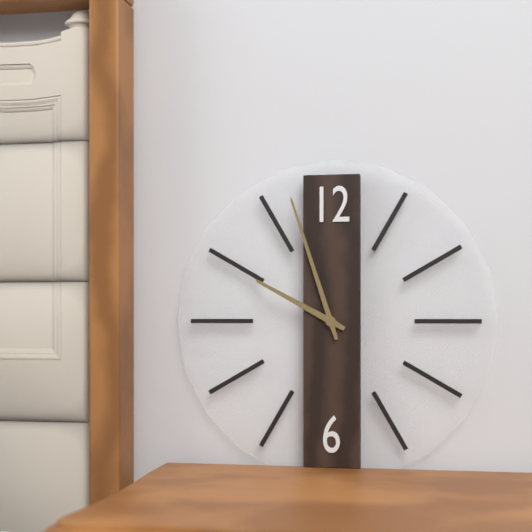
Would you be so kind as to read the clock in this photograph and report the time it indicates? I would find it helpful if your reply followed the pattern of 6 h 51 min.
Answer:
9 h 57 min
